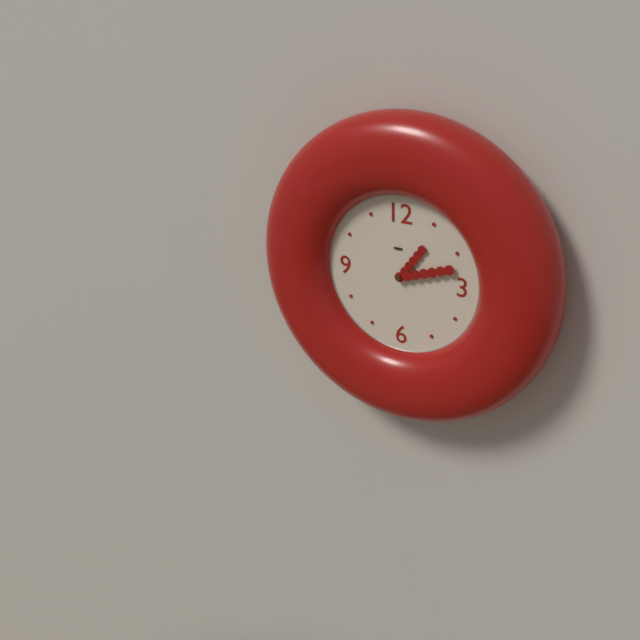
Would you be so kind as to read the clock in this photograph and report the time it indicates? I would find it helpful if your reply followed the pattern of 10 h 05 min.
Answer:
1 h 12 min
